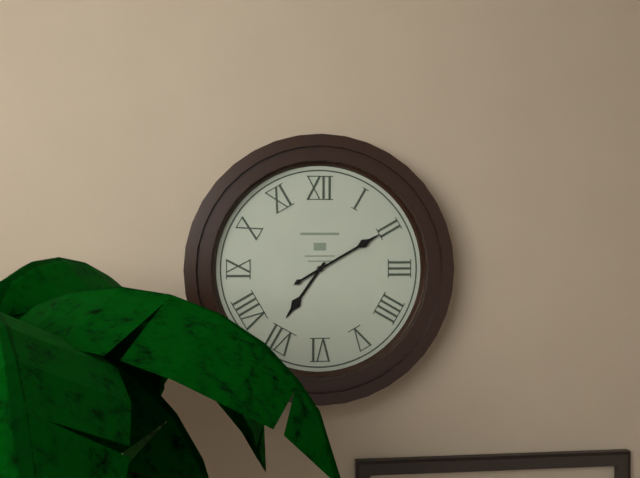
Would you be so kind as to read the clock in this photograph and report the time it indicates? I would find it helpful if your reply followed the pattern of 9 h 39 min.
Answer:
7 h 10 min
